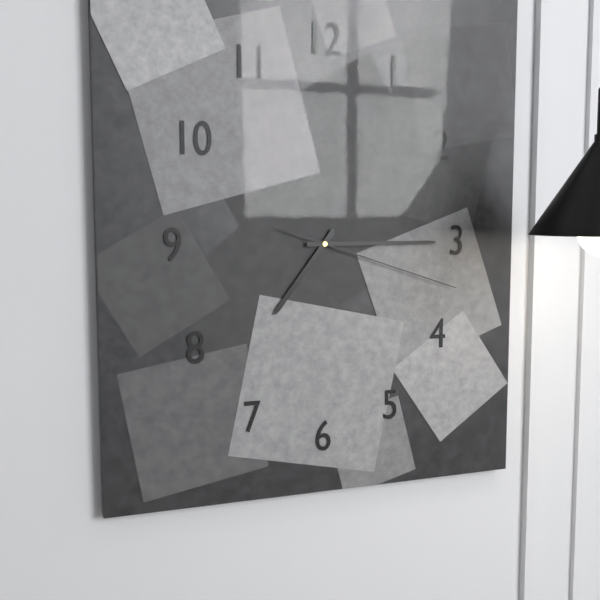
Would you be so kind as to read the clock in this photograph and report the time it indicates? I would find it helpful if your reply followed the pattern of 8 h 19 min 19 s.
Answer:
7 h 15 min 18 s
